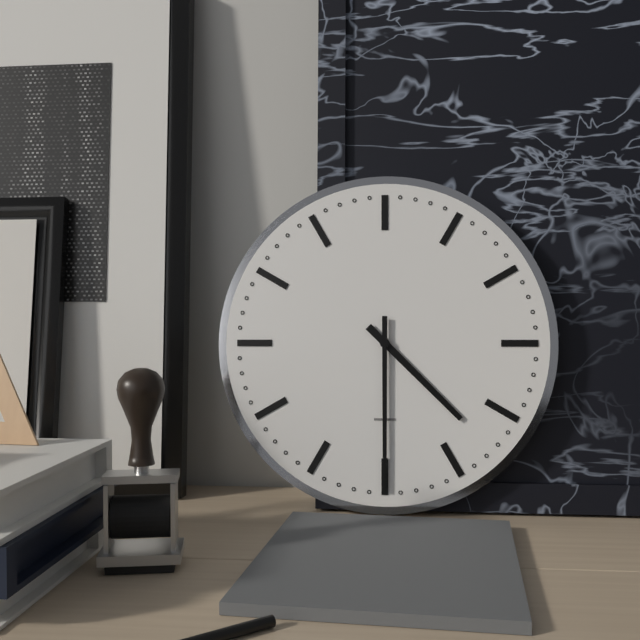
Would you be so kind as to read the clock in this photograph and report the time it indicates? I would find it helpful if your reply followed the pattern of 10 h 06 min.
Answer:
4 h 30 min
